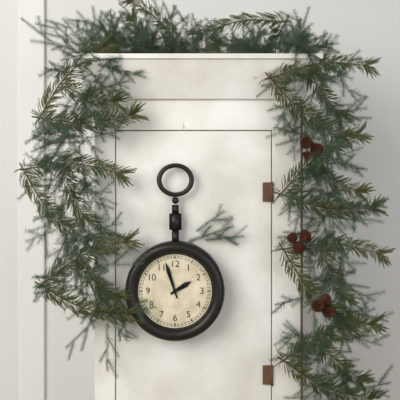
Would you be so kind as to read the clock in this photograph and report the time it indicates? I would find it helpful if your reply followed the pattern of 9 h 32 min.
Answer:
1 h 57 min
